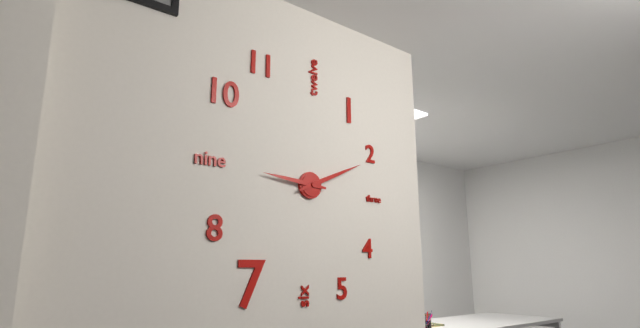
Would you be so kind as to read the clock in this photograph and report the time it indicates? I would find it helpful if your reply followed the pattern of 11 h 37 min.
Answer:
9 h 11 min
